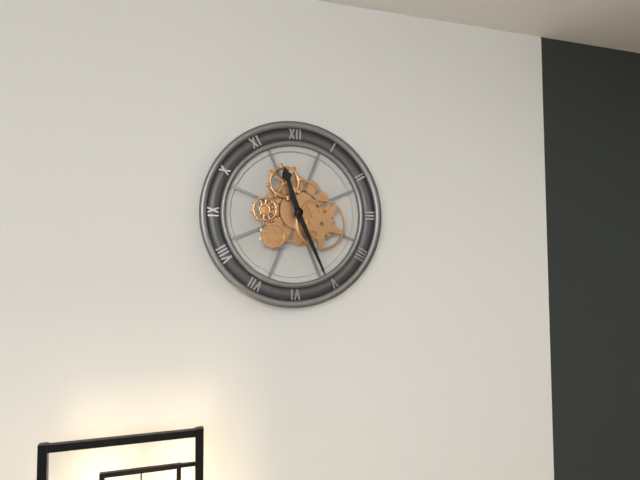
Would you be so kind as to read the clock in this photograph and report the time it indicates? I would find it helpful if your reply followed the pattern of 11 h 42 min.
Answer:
11 h 26 min
